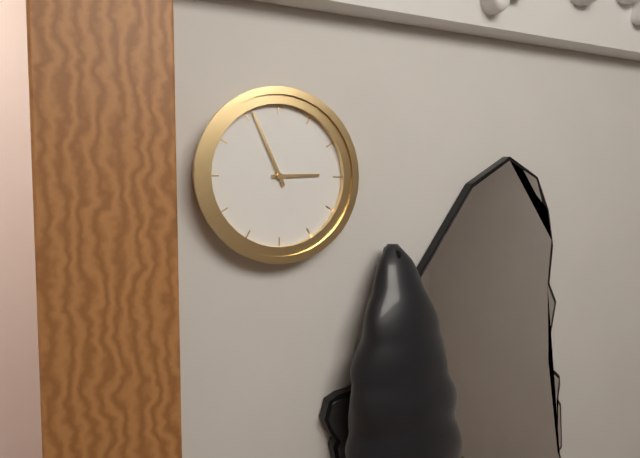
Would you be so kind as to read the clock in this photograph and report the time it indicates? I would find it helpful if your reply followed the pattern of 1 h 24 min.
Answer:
2 h 56 min
